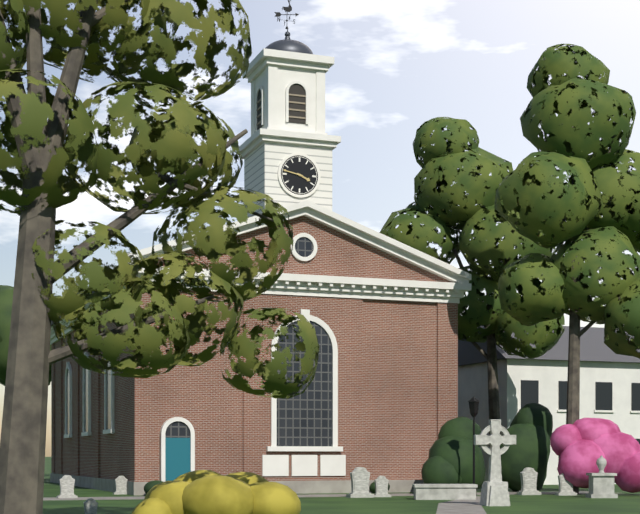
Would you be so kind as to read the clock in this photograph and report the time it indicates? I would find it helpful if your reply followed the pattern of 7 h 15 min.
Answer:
3 h 47 min
